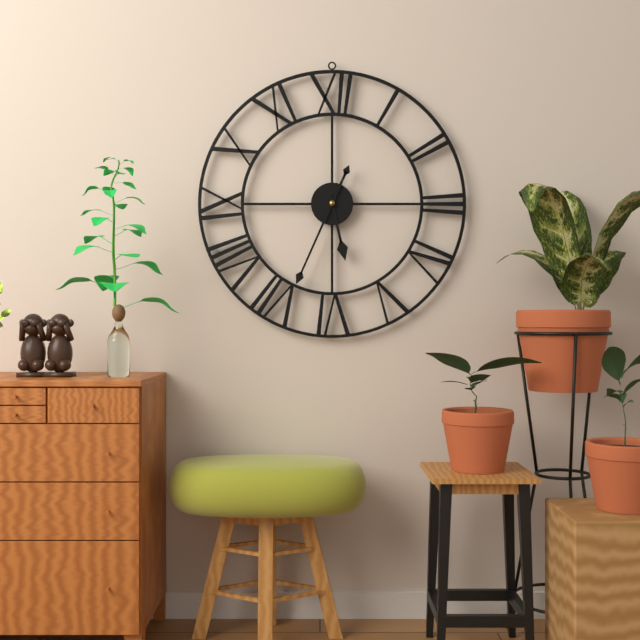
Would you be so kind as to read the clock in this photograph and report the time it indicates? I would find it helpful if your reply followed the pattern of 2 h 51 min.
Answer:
5 h 34 min
